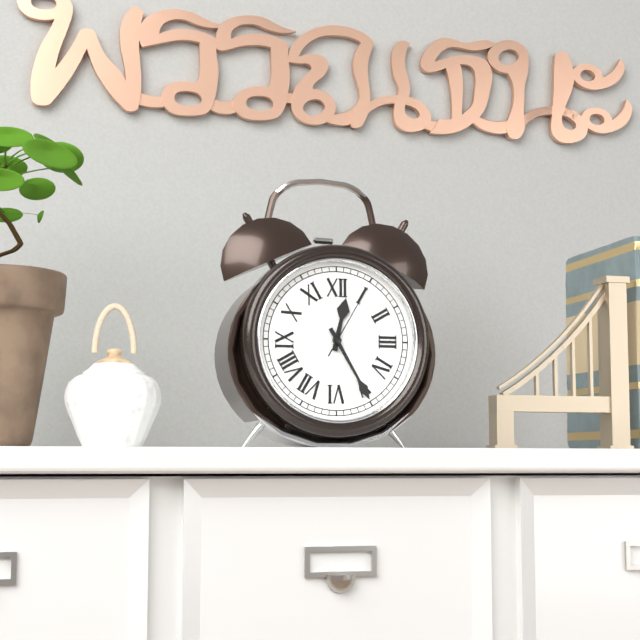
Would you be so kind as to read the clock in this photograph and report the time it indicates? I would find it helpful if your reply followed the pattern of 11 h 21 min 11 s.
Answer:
12 h 25 min 05 s
